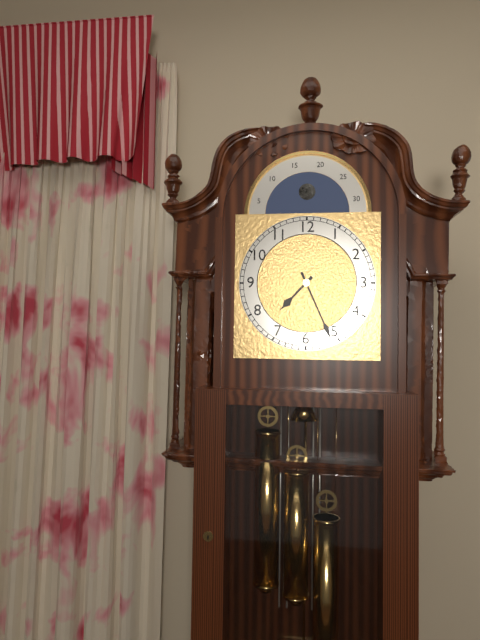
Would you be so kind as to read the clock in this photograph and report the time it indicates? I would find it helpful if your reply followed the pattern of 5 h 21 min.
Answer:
7 h 26 min
